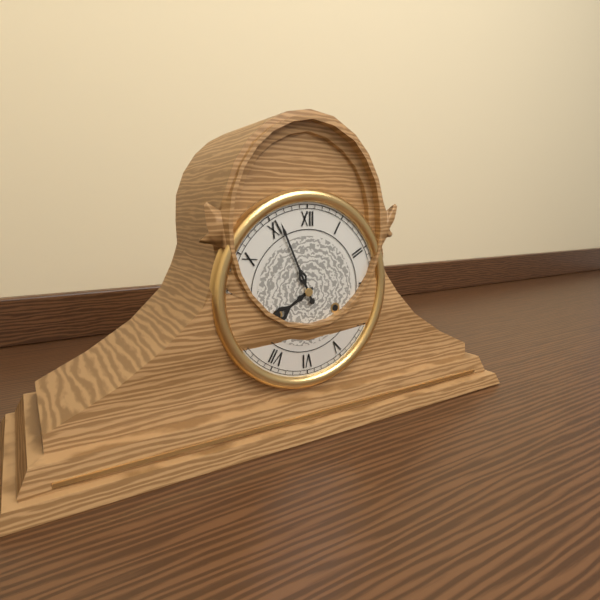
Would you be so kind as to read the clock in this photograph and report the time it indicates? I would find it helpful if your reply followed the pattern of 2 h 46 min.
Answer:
7 h 56 min
